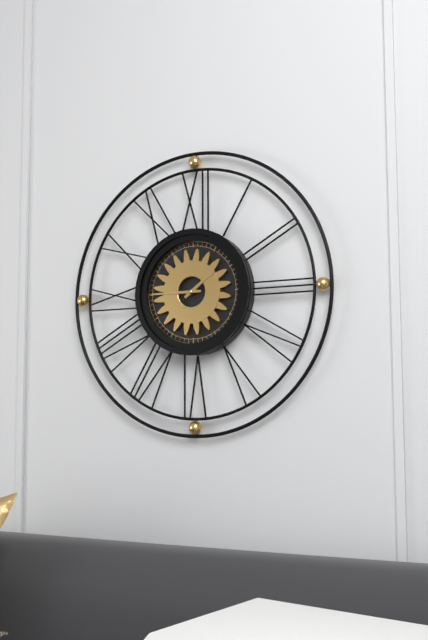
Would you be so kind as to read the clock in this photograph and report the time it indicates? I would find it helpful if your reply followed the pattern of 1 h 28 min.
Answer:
1 h 45 min
